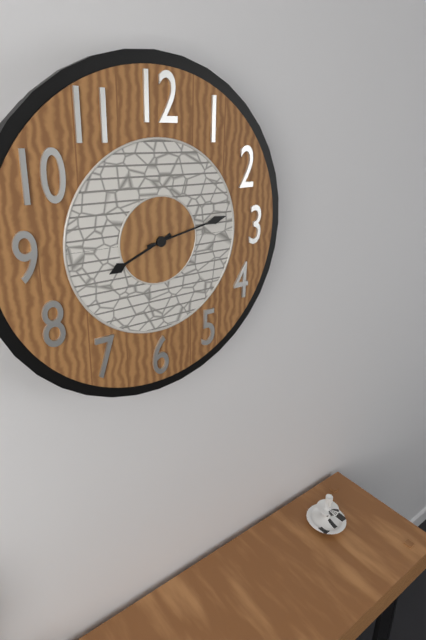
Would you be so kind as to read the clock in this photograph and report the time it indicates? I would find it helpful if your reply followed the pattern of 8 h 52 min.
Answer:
8 h 13 min
